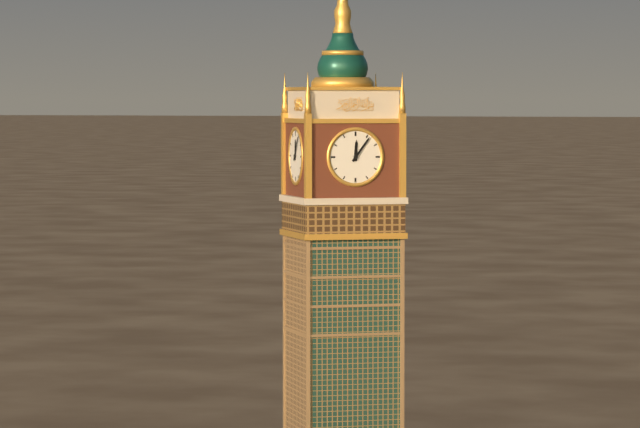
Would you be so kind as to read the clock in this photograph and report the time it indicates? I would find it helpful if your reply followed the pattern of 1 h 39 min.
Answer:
12 h 06 min
